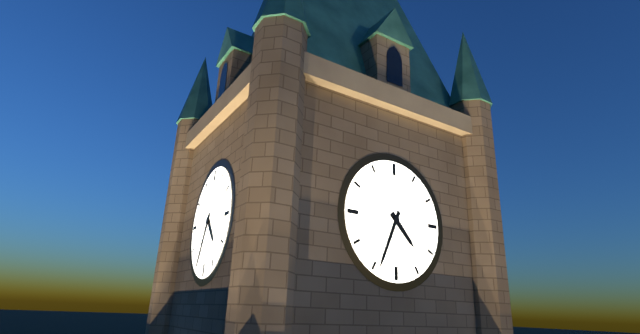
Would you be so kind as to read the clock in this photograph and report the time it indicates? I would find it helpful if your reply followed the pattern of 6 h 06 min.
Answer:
4 h 34 min
